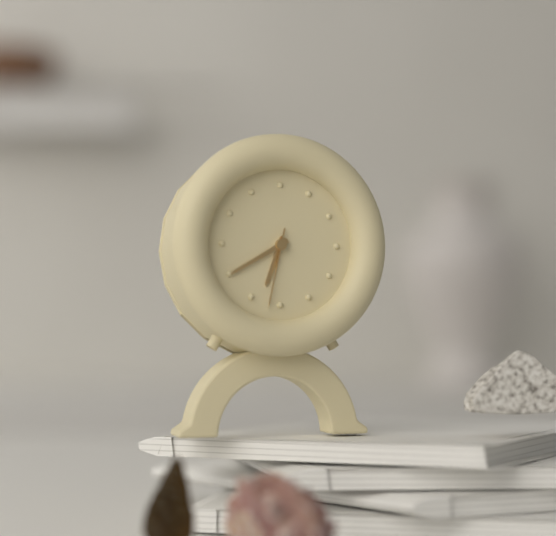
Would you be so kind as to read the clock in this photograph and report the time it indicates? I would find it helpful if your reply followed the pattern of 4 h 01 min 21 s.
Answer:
6 h 40 min 32 s
